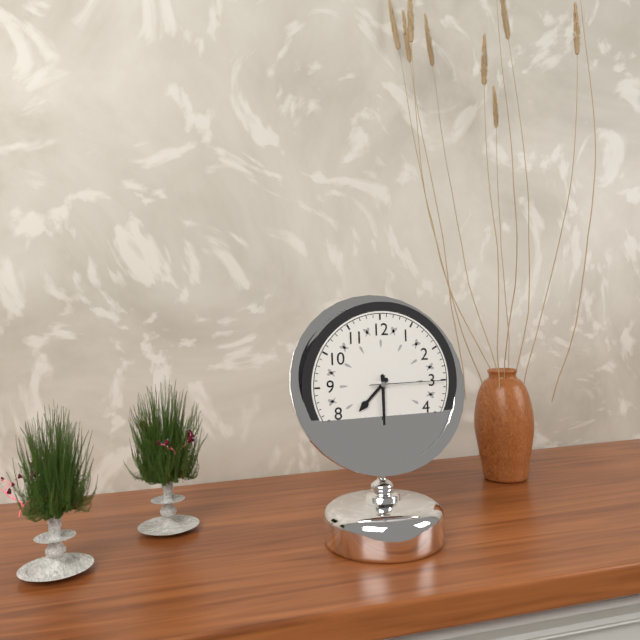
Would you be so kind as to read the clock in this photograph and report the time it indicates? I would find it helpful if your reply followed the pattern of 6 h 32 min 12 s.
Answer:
7 h 30 min 15 s
